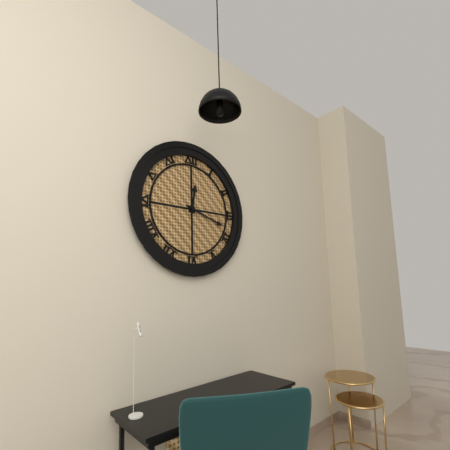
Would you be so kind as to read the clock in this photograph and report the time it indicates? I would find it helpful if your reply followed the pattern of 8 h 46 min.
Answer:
12 h 18 min
